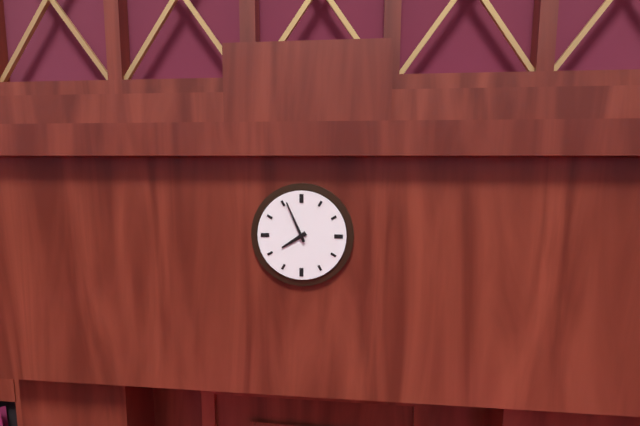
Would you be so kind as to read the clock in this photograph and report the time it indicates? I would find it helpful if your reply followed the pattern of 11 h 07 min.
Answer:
7 h 56 min
